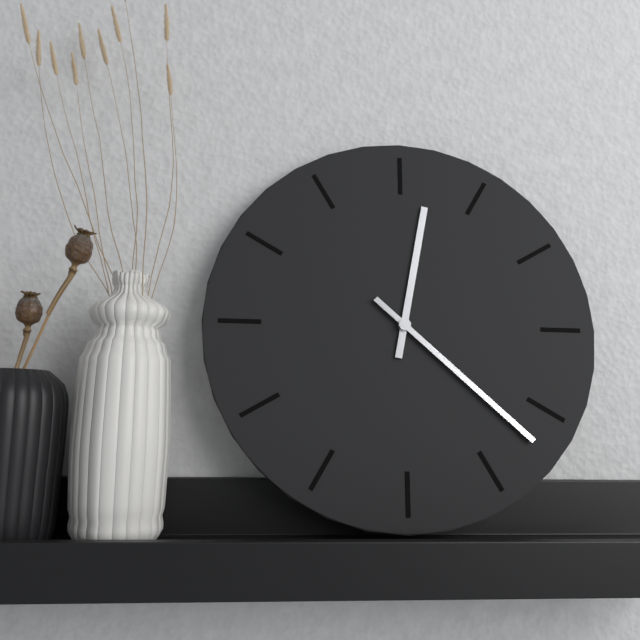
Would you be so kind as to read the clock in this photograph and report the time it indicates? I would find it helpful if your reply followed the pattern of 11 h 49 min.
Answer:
12 h 22 min
